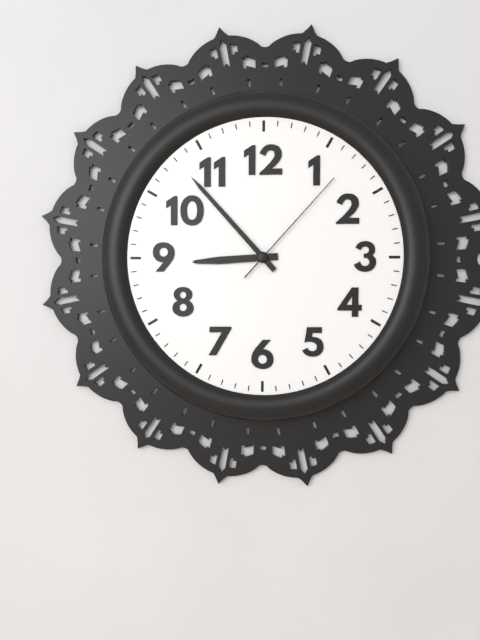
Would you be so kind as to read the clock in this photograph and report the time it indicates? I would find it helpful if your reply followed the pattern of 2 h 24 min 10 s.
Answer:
8 h 53 min 07 s
